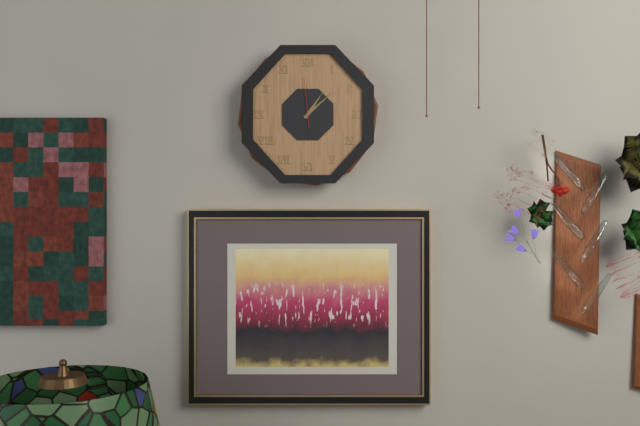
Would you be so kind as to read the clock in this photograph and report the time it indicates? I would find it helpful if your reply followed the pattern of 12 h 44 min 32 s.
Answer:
1 h 08 min 59 s
